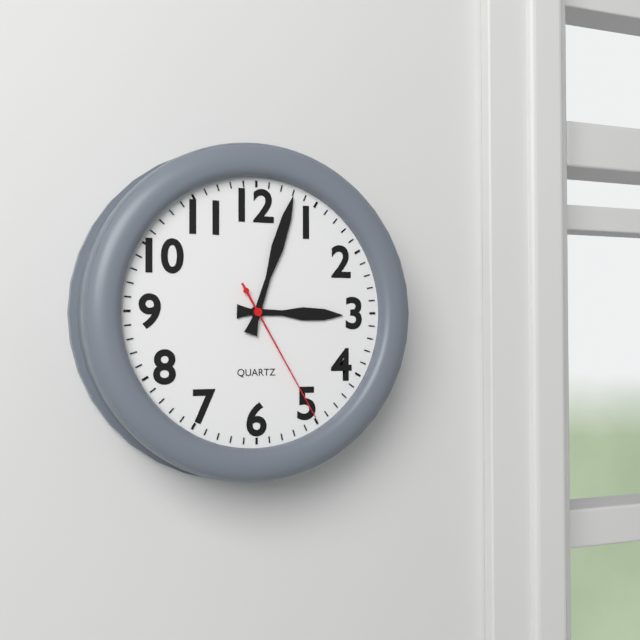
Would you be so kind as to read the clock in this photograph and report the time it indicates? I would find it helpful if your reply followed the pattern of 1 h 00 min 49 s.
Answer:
3 h 03 min 25 s
